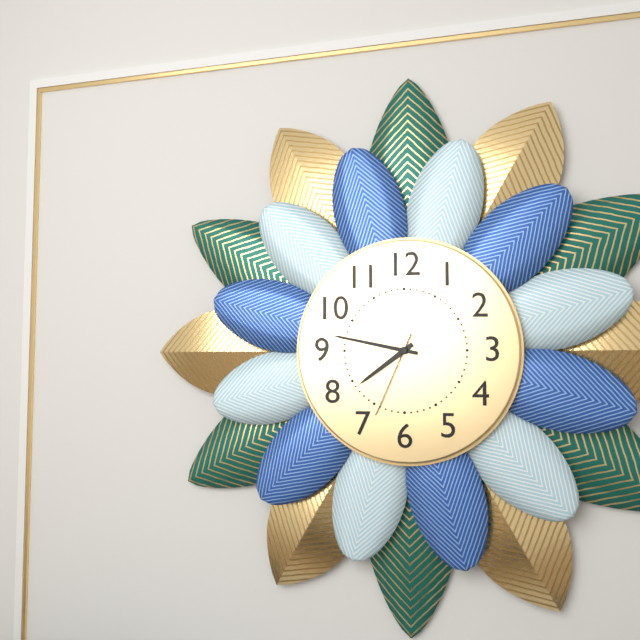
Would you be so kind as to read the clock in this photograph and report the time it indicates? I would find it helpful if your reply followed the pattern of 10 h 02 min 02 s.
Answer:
7 h 47 min 34 s
